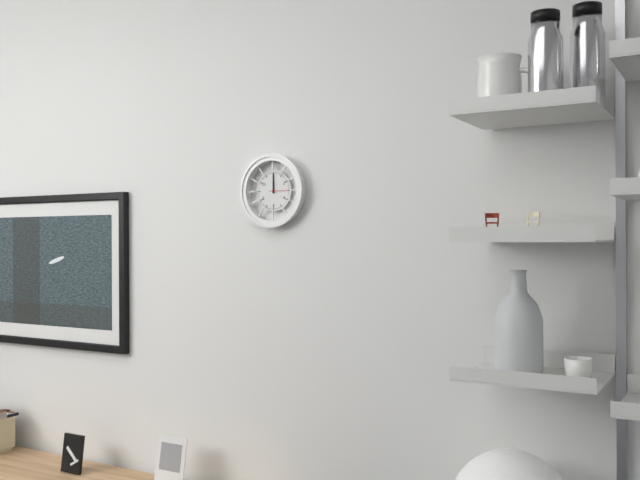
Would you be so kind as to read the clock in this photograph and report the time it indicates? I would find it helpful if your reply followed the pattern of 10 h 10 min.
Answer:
12 h 00 min
